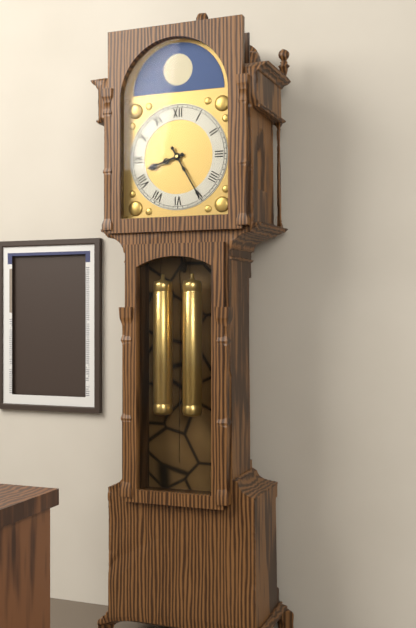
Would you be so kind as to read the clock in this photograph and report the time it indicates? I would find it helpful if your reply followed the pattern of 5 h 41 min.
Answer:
8 h 25 min
